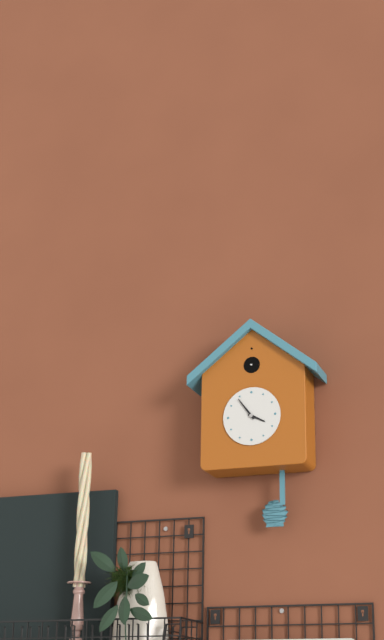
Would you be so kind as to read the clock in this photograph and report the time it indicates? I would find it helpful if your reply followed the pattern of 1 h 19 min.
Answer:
3 h 54 min
